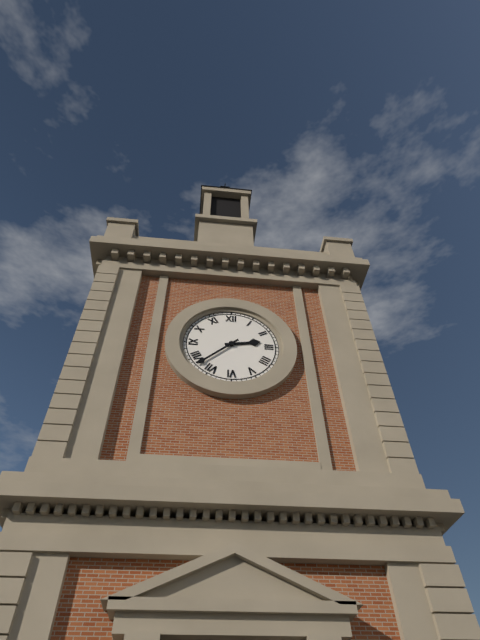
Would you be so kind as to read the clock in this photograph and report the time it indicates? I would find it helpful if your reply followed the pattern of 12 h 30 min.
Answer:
2 h 38 min
